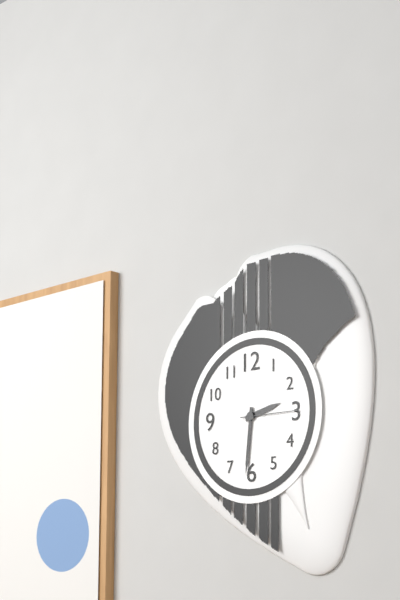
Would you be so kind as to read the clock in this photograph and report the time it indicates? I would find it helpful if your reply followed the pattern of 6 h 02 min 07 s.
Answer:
2 h 31 min 15 s
